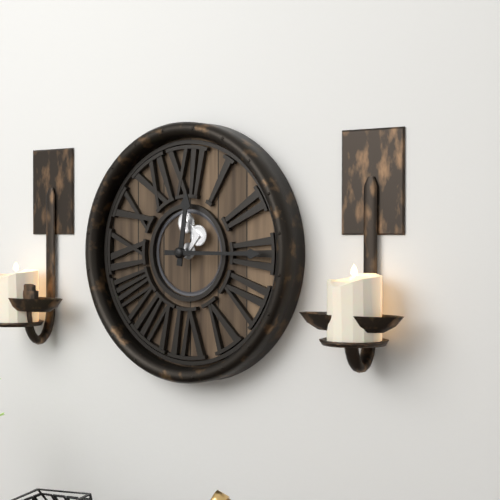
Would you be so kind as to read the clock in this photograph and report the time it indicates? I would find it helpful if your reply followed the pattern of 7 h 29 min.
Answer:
12 h 15 min
